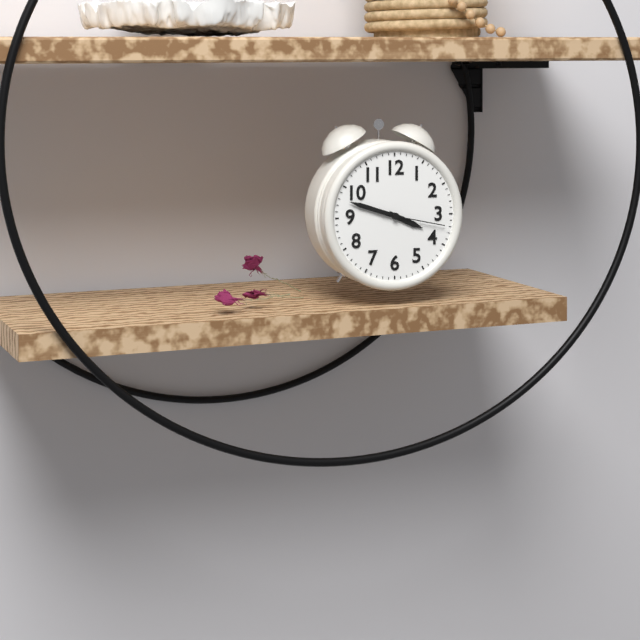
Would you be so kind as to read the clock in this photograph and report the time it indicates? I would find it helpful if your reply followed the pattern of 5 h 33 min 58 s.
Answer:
3 h 48 min 17 s
